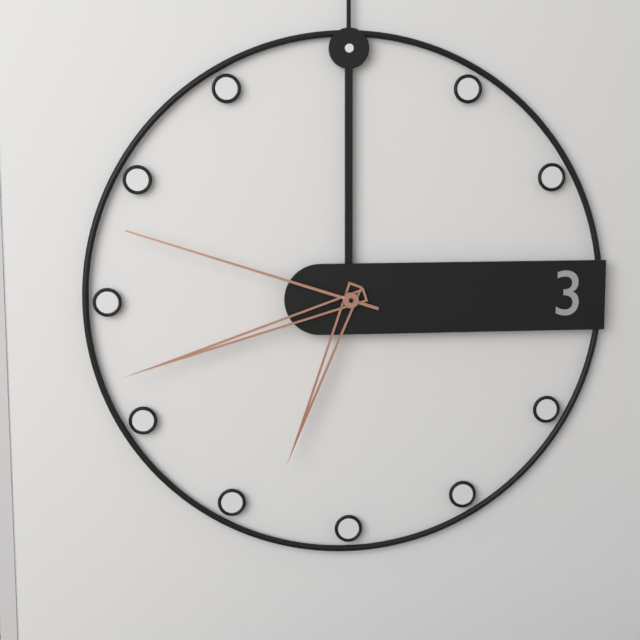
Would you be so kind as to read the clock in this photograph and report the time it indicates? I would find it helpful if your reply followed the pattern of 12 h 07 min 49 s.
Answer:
6 h 42 min 48 s
